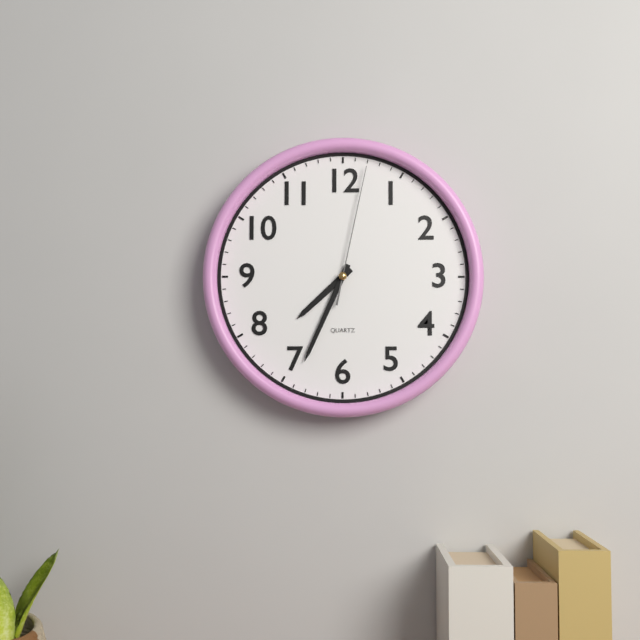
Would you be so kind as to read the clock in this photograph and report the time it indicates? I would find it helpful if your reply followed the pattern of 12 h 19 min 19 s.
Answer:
7 h 34 min 02 s
